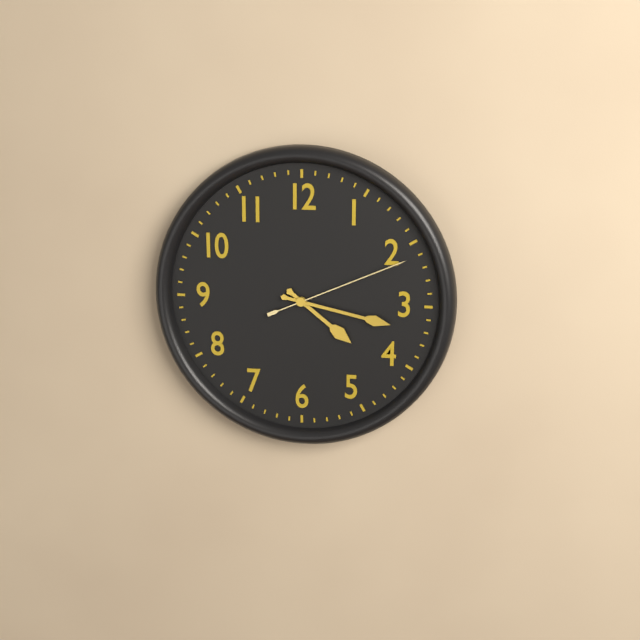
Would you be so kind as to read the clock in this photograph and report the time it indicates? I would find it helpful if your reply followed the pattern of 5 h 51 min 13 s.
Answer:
4 h 17 min 11 s
